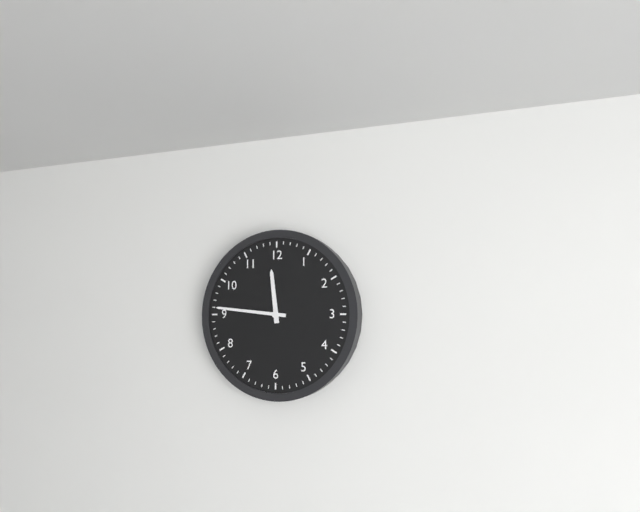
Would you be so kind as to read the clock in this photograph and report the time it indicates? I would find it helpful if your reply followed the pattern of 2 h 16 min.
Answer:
11 h 46 min
